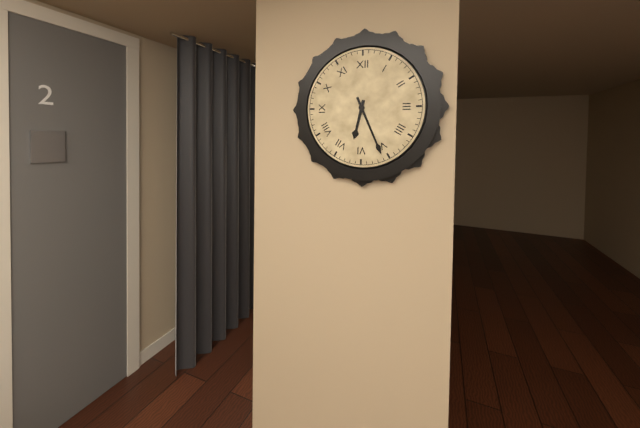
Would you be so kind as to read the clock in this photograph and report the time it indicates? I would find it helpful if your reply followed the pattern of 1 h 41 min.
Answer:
6 h 26 min
